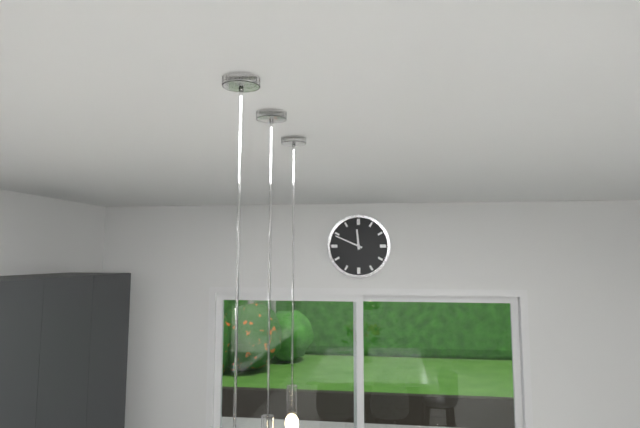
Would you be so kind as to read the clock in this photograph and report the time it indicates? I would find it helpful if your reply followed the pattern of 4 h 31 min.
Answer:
11 h 49 min
